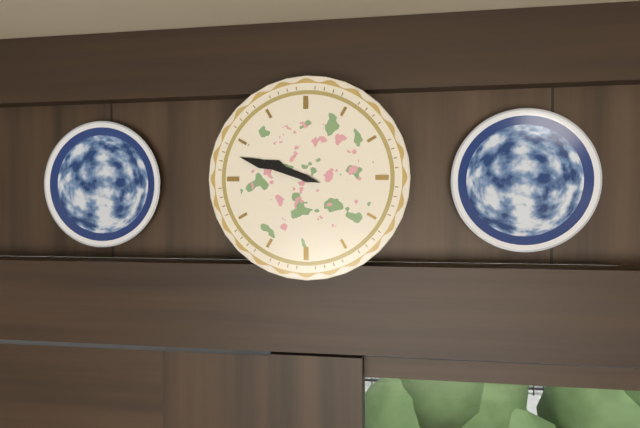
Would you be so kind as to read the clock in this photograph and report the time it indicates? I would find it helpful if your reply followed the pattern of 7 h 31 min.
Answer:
9 h 48 min
